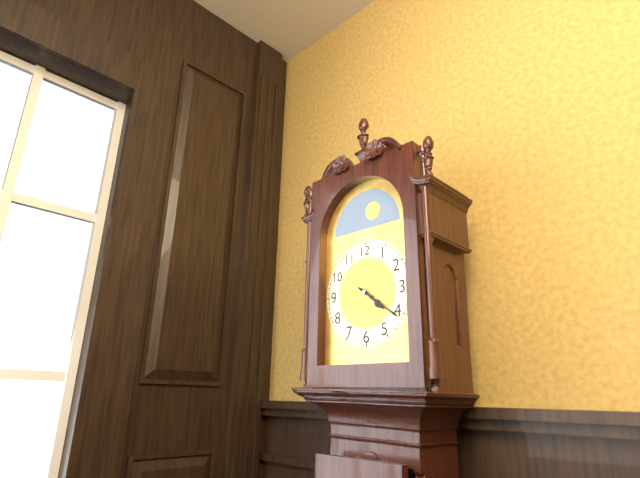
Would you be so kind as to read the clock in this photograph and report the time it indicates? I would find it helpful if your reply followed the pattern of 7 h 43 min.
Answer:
4 h 21 min
